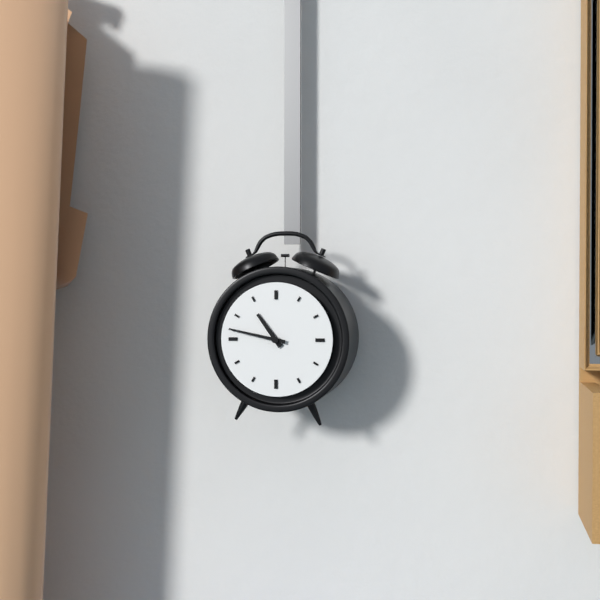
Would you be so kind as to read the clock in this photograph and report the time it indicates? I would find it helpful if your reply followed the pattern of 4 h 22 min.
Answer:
10 h 47 min
